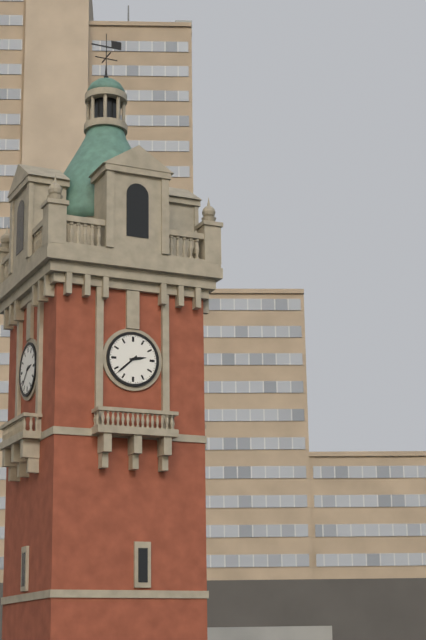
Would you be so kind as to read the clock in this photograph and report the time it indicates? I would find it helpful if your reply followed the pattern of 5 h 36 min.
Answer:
2 h 38 min
